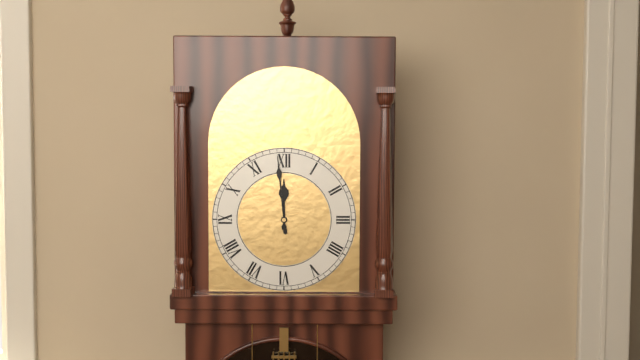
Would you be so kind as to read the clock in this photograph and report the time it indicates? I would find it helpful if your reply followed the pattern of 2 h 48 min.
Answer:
11 h 59 min
